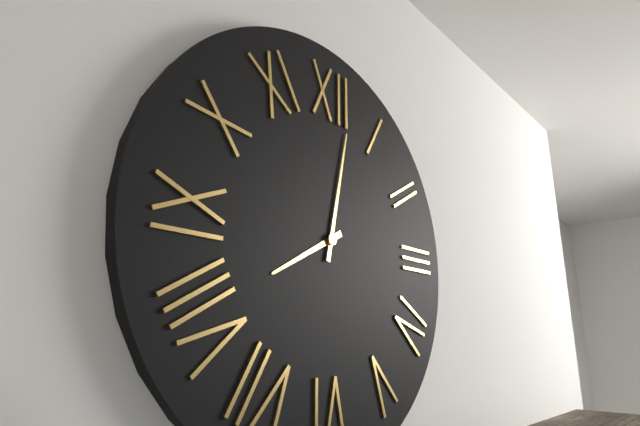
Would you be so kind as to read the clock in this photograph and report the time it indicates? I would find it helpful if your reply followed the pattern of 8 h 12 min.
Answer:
8 h 02 min
